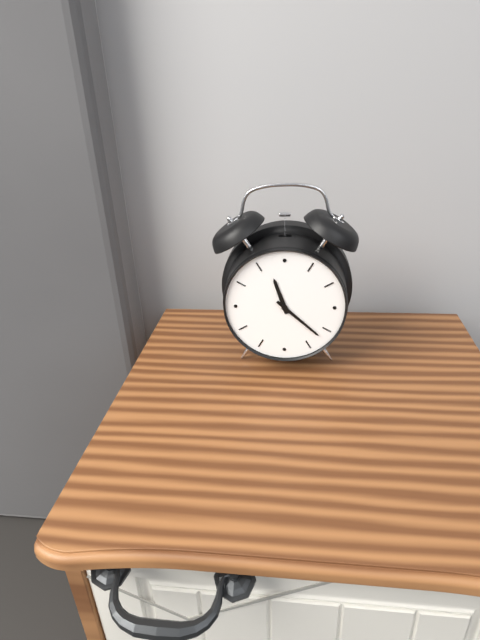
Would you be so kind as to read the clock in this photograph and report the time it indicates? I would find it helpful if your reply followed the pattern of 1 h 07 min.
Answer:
11 h 22 min
